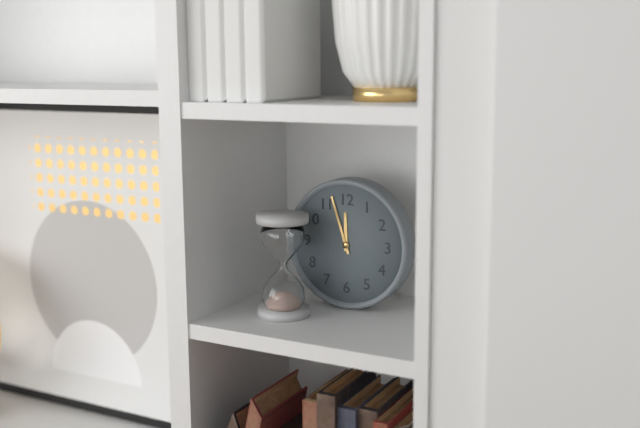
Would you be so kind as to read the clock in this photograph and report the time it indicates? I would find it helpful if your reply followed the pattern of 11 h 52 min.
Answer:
11 h 57 min
